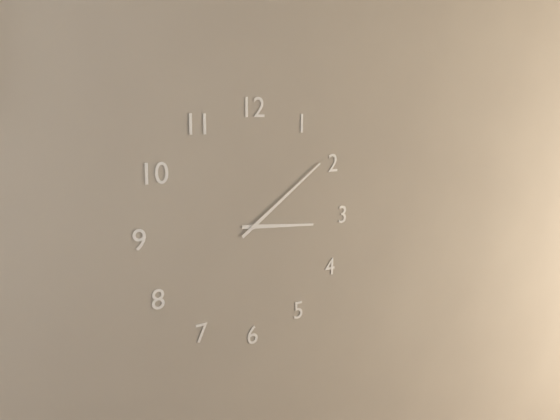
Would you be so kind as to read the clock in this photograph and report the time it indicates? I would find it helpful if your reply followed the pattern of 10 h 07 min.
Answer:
3 h 09 min
